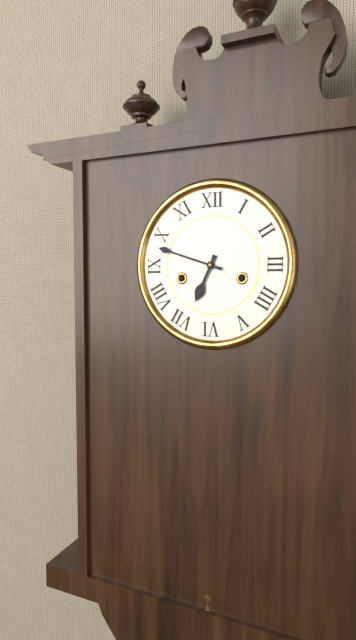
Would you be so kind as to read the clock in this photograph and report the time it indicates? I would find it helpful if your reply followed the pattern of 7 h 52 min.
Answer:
6 h 48 min
